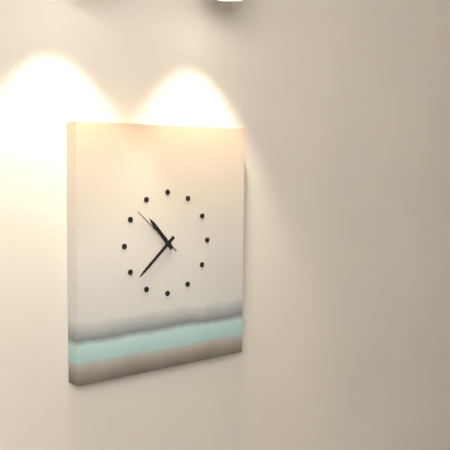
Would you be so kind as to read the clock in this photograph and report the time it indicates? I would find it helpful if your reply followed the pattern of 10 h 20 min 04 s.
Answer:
10 h 38 min 52 s
